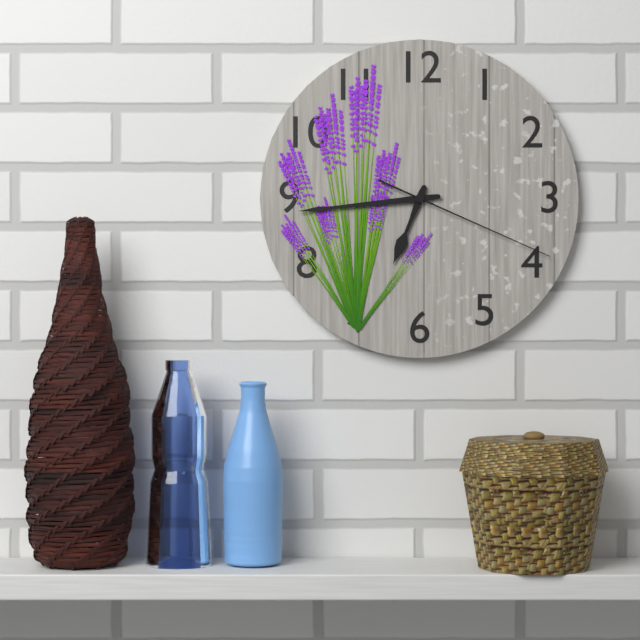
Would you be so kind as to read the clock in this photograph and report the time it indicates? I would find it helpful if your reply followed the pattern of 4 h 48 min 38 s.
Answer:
6 h 44 min 19 s
